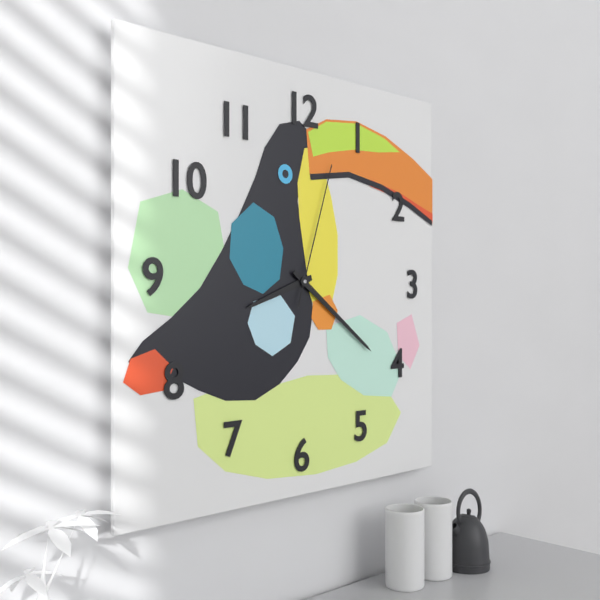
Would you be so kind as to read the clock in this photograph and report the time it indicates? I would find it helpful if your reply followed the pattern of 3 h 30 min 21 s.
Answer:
8 h 21 min 03 s
